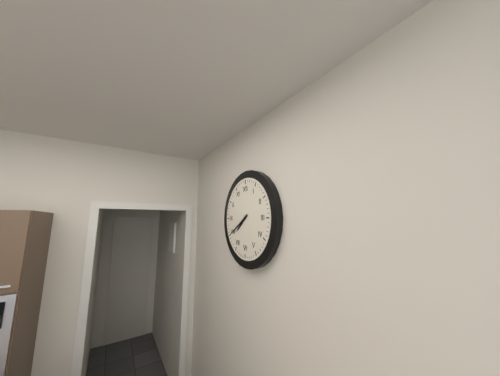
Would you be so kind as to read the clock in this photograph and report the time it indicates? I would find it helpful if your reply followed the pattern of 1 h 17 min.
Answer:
7 h 40 min
